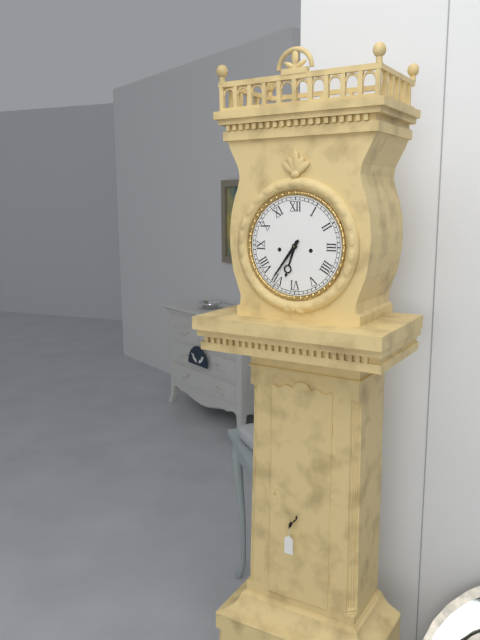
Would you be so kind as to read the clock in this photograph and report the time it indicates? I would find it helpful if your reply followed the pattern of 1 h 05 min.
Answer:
6 h 36 min
